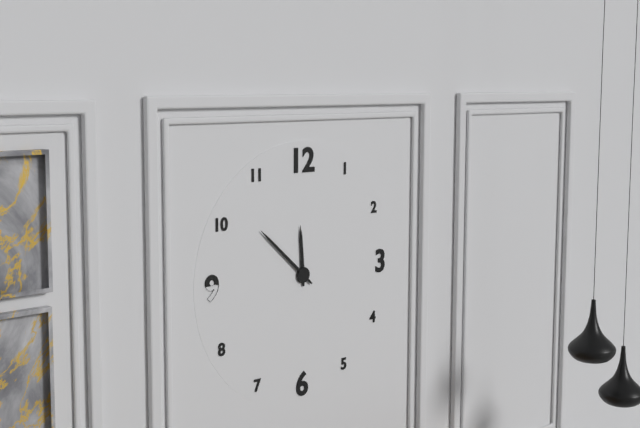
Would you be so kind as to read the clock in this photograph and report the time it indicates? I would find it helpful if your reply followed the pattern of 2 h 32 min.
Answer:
11 h 52 min
